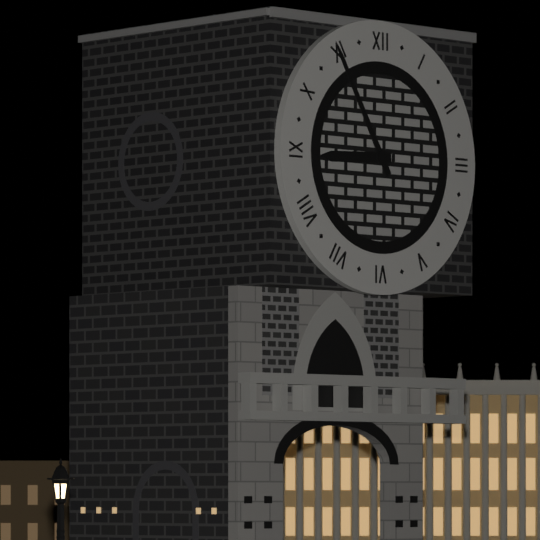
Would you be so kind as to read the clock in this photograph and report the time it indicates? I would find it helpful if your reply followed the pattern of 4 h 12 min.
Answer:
8 h 55 min
